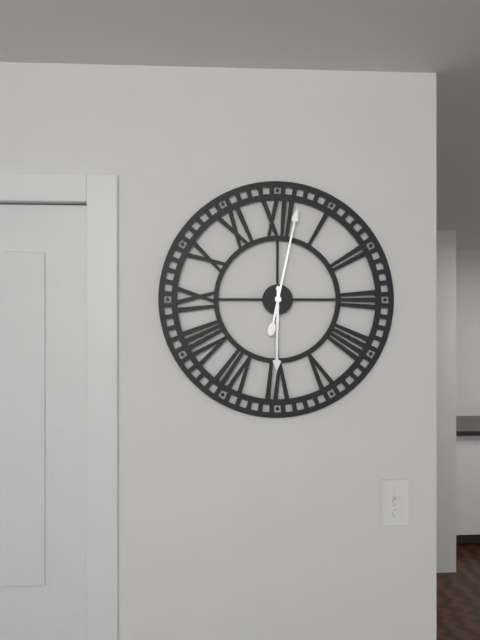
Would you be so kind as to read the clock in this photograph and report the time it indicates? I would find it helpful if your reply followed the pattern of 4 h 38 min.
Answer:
6 h 02 min
